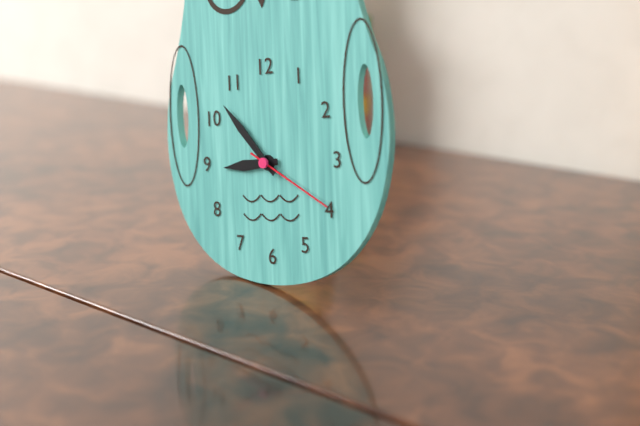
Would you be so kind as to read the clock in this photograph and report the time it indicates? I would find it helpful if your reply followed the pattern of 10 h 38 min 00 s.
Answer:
8 h 53 min 20 s
